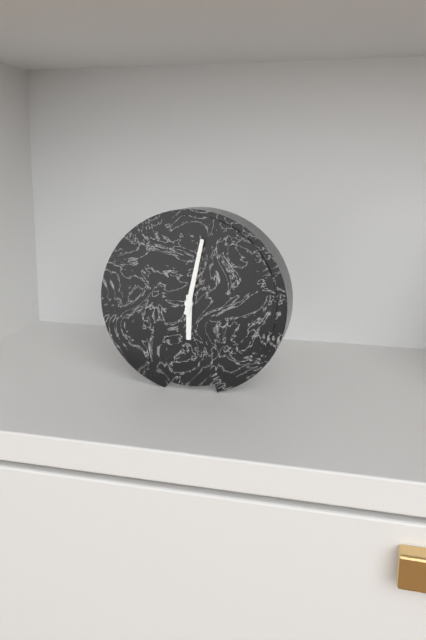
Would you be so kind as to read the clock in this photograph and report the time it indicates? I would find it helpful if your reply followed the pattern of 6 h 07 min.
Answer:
6 h 02 min
